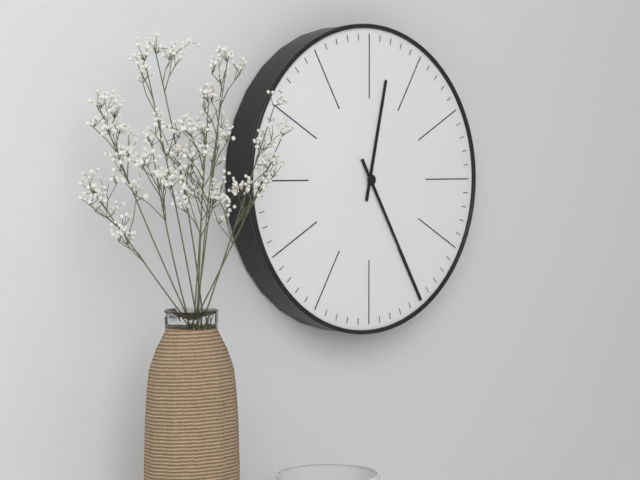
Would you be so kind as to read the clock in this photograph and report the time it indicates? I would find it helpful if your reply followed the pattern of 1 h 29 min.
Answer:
12 h 25 min
